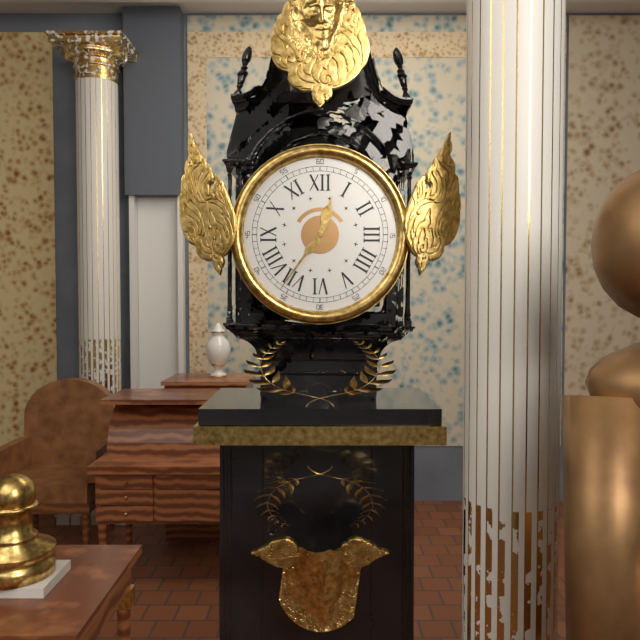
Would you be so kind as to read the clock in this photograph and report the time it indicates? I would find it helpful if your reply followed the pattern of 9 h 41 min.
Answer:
12 h 36 min
